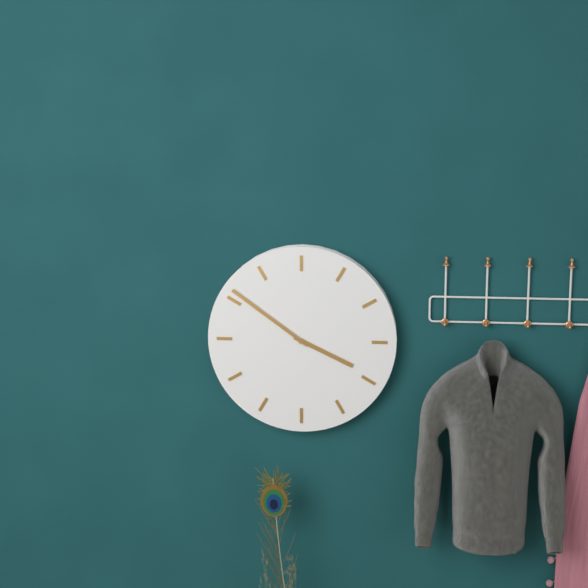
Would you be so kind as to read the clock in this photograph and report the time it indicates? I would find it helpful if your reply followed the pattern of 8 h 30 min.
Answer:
3 h 51 min
